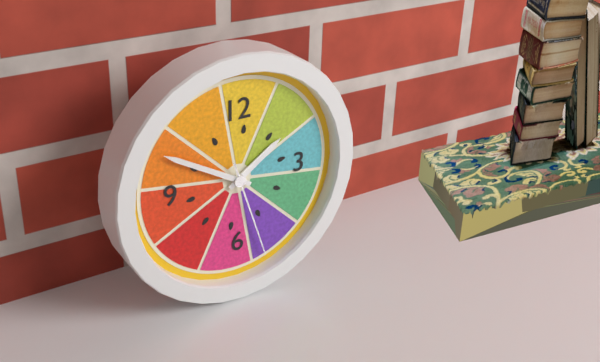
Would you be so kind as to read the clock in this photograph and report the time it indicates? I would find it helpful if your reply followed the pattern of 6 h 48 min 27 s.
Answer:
1 h 50 min 27 s
